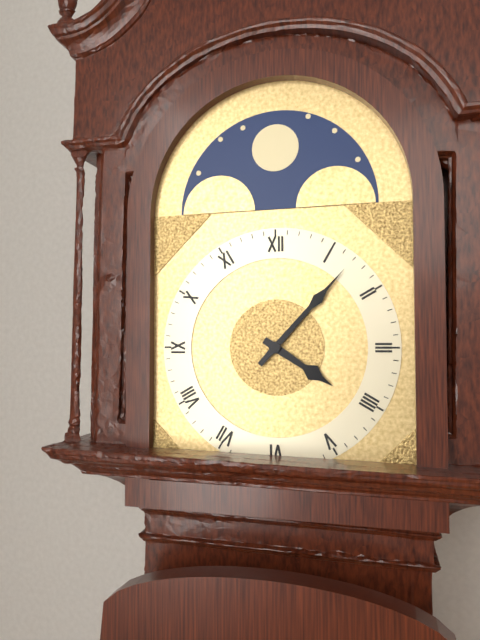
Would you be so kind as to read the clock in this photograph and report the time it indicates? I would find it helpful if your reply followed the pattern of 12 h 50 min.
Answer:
4 h 07 min
